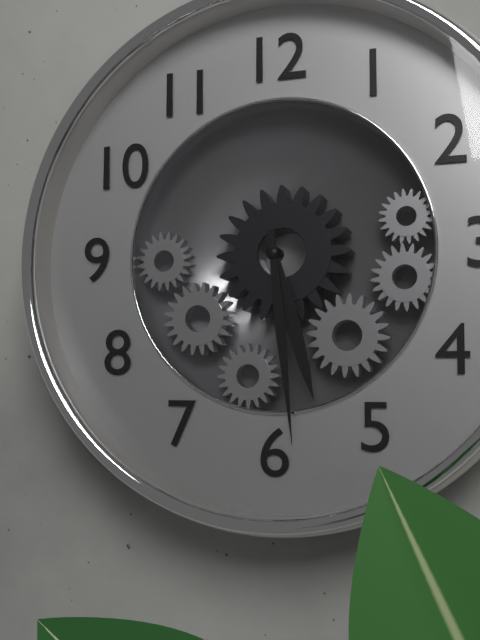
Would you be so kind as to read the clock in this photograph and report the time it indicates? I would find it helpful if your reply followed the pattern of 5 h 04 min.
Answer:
5 h 29 min
